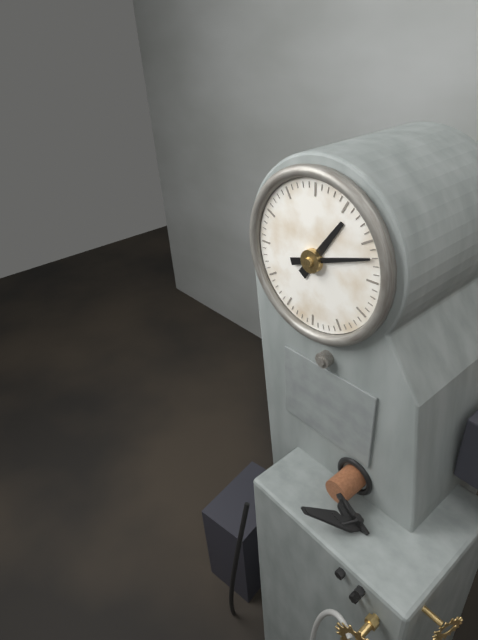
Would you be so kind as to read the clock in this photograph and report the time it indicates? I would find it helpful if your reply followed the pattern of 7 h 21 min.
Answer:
1 h 12 min
